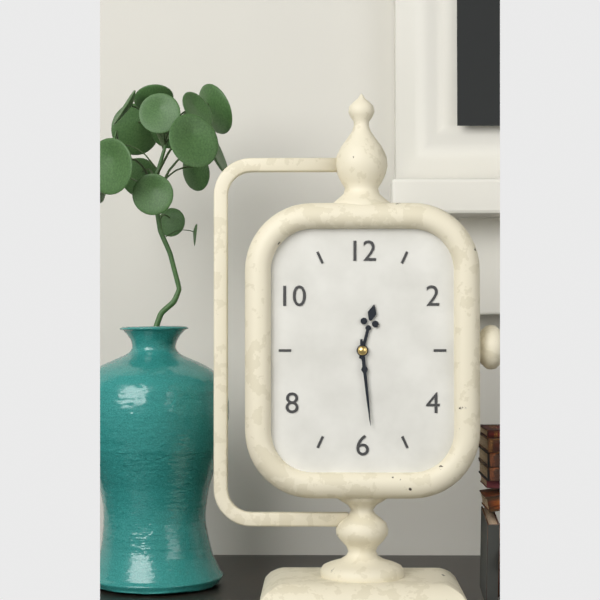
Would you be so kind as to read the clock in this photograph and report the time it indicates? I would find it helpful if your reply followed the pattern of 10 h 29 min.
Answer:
12 h 29 min
